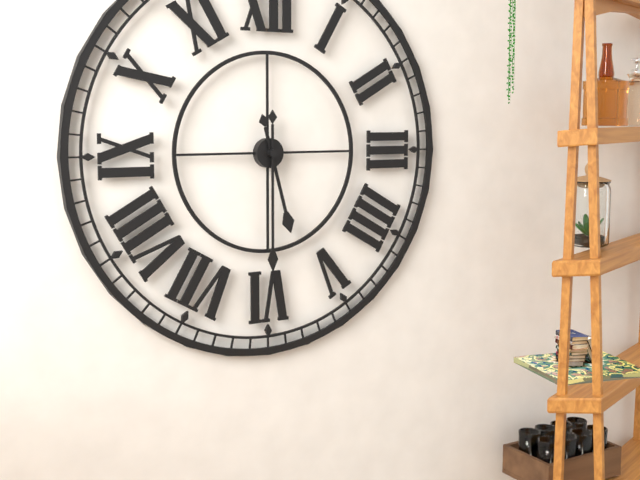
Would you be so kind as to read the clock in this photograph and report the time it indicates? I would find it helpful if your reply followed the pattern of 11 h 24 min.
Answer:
5 h 30 min
